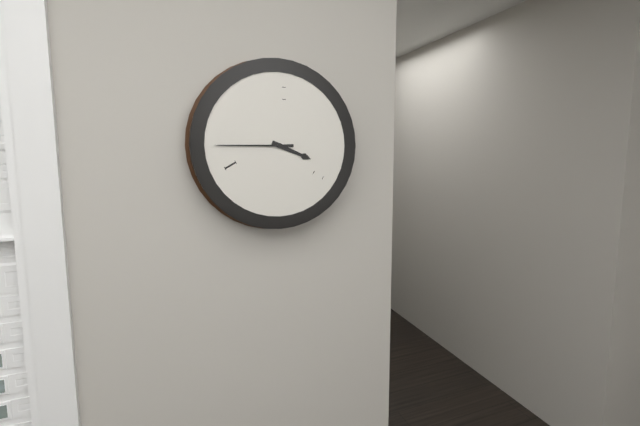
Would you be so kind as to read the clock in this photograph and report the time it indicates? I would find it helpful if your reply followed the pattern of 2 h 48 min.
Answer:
3 h 45 min
